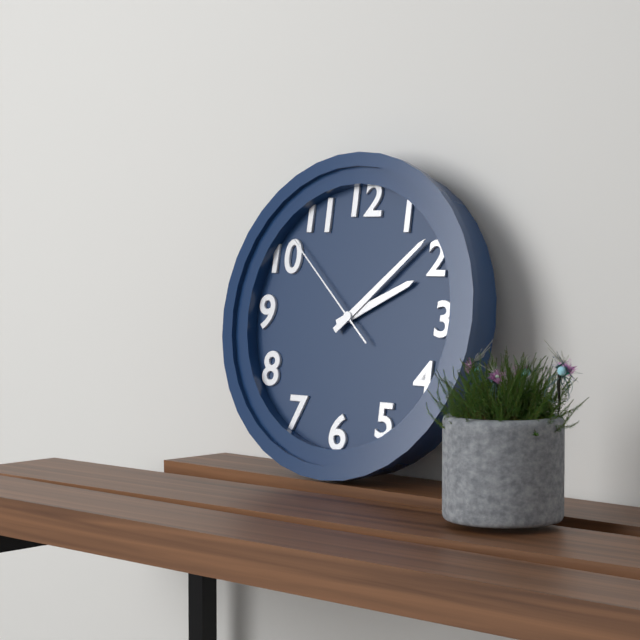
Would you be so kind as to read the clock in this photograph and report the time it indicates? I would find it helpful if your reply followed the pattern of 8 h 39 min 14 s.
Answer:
2 h 08 min 52 s
